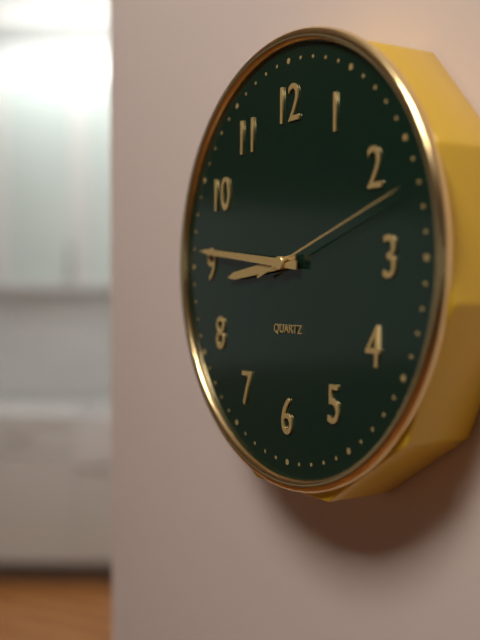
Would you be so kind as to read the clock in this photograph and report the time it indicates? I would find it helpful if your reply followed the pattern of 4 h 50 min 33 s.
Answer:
8 h 46 min 12 s
